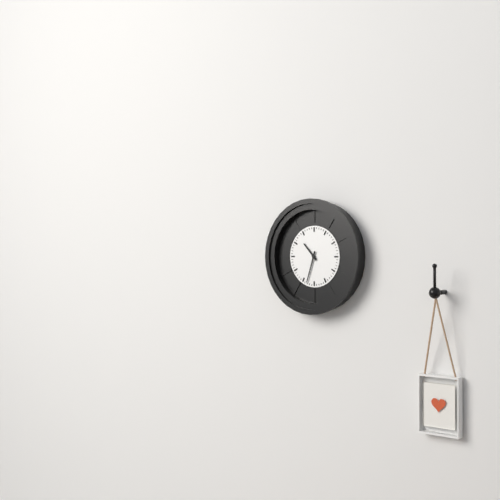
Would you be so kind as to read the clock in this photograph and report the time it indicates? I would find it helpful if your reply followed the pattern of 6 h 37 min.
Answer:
10 h 33 min
